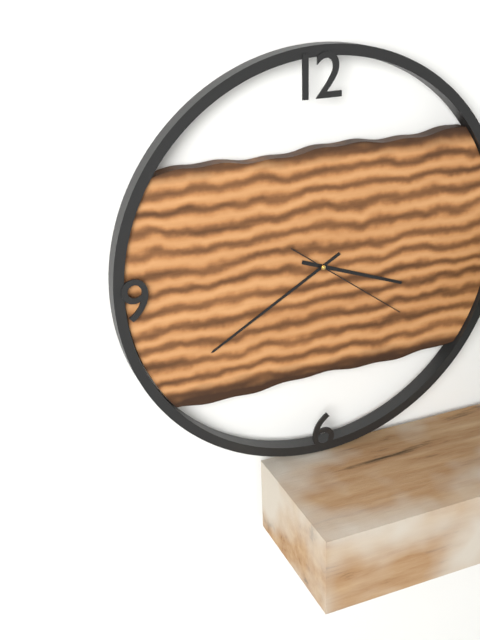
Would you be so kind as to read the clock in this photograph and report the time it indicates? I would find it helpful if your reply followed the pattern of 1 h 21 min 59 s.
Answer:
3 h 40 min 21 s
